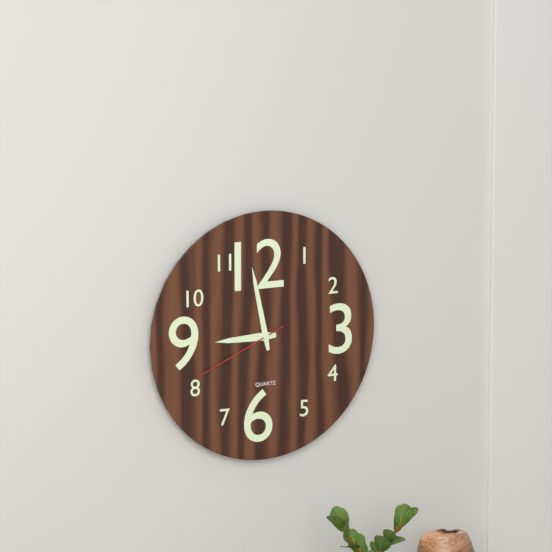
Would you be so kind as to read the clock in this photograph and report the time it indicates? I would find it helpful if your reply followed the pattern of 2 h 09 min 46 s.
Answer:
8 h 58 min 41 s
